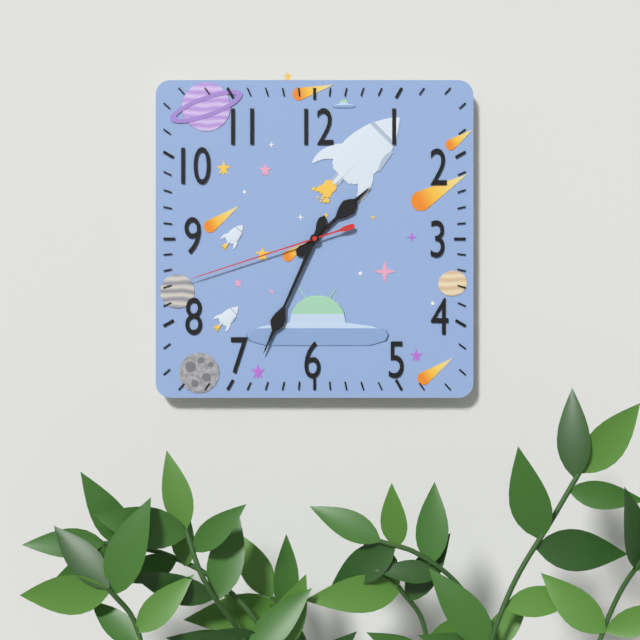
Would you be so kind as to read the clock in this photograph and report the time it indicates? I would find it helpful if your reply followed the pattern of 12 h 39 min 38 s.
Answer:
1 h 34 min 42 s
